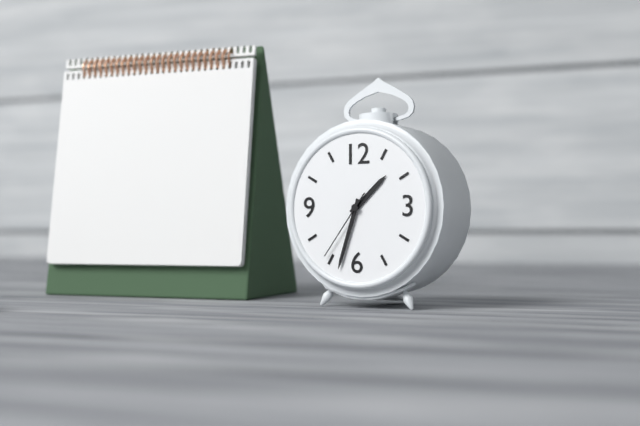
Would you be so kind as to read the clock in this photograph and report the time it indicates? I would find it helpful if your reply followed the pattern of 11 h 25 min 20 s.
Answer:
1 h 33 min 36 s
